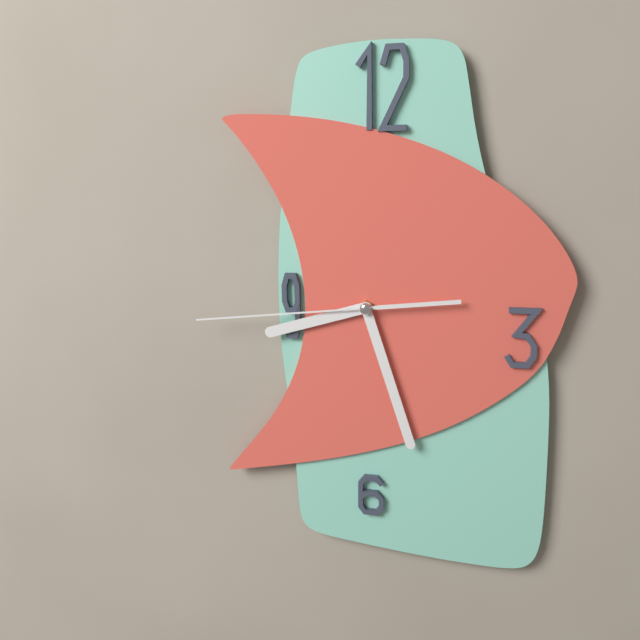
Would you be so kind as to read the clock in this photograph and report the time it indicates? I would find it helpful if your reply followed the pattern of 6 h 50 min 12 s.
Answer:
8 h 27 min 44 s
